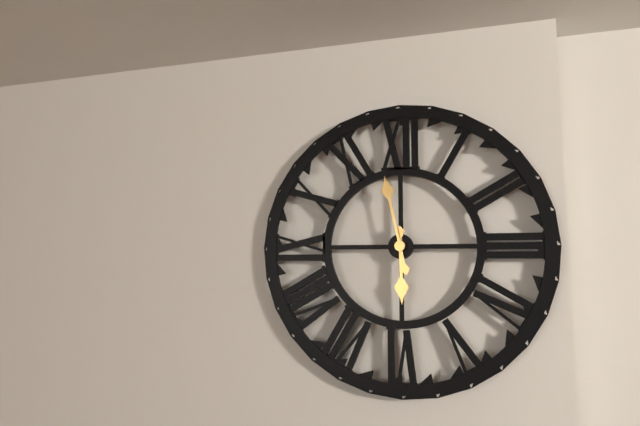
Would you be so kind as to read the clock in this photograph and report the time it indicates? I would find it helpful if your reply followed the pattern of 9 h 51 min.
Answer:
5 h 58 min
